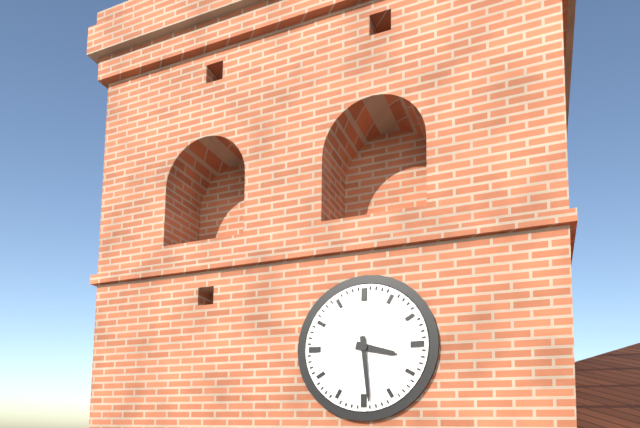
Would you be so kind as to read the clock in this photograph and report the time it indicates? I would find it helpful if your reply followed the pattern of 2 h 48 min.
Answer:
3 h 29 min
